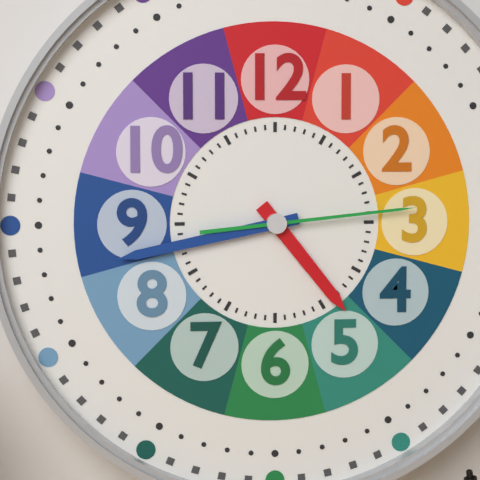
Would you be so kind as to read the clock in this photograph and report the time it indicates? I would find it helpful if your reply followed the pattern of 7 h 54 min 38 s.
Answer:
4 h 43 min 14 s
